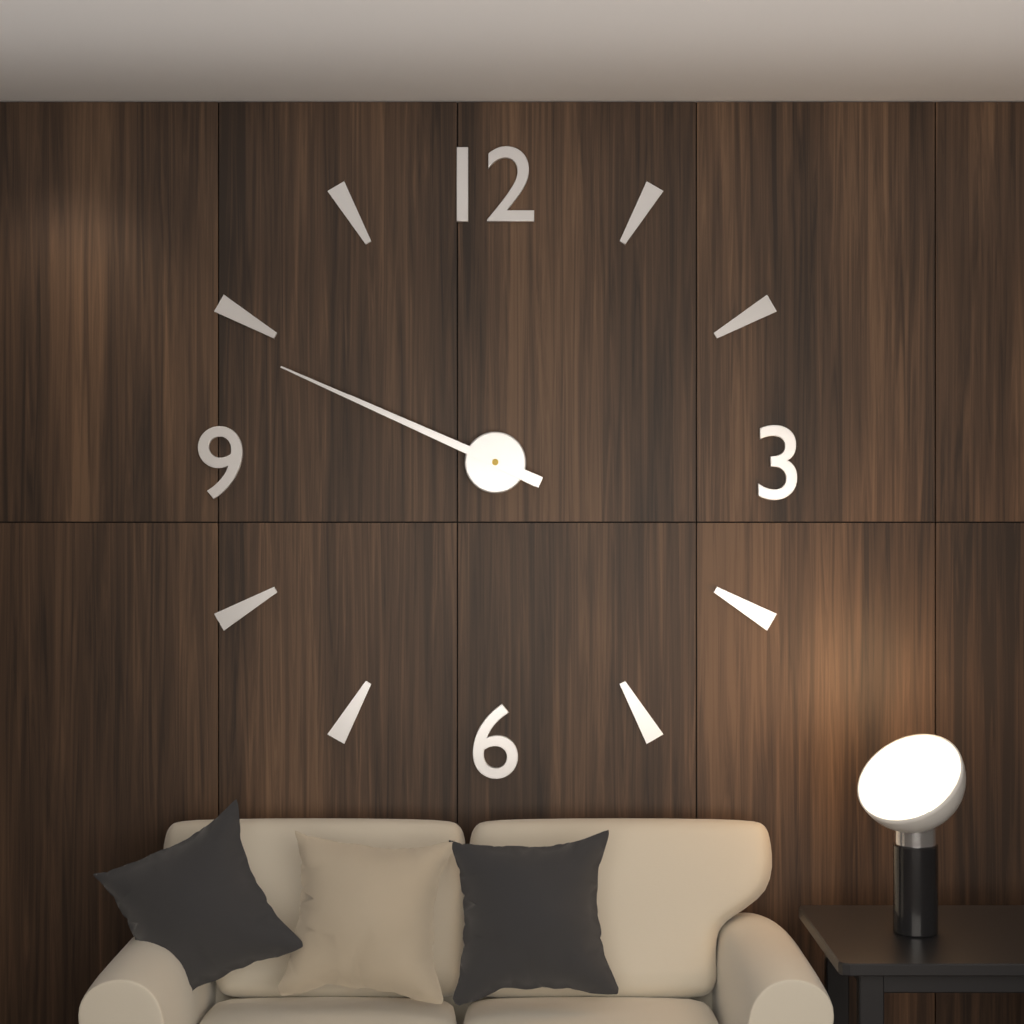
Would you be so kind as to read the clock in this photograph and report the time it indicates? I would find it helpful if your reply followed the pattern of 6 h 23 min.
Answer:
9 h 49 min
